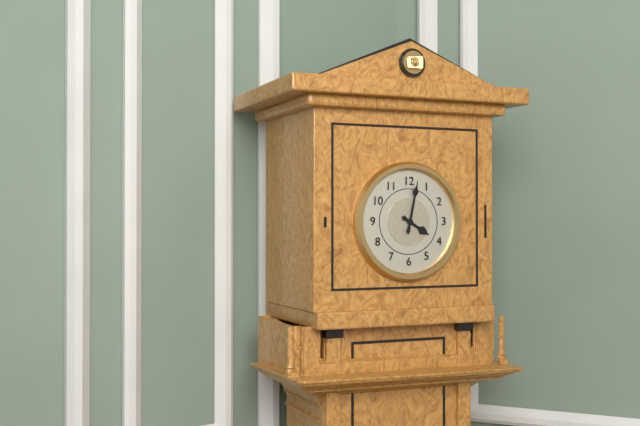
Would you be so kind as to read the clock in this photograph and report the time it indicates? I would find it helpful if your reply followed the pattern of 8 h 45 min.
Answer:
4 h 02 min
